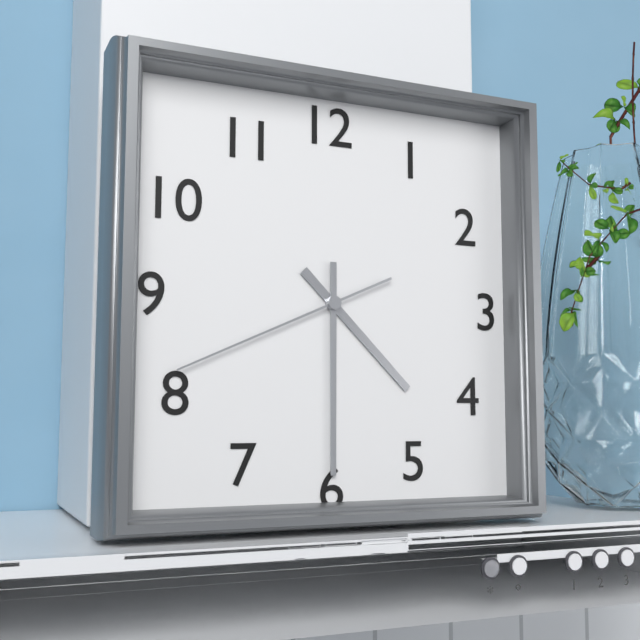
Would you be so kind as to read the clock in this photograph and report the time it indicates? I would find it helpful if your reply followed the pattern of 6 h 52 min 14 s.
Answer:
4 h 30 min 41 s
